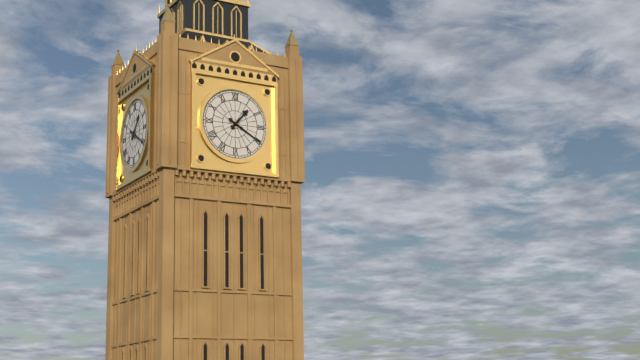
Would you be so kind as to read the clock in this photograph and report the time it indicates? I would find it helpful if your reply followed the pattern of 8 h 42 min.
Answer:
1 h 20 min
